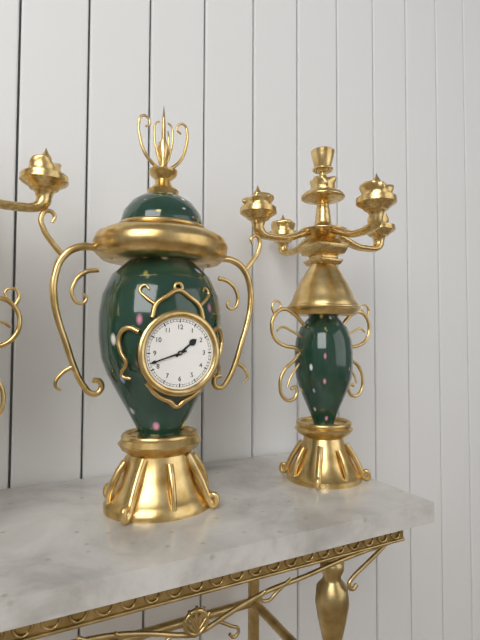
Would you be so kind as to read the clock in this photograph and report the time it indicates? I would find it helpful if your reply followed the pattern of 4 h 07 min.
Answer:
1 h 42 min
